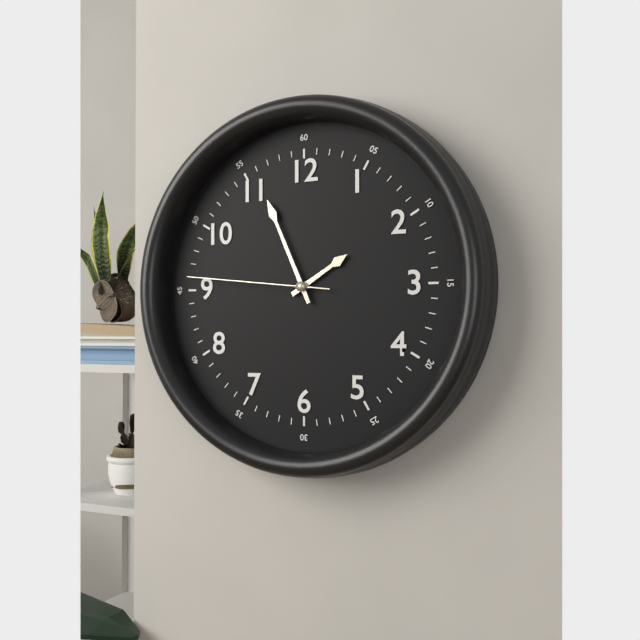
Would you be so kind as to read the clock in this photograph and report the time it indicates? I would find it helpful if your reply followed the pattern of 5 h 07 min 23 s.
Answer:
1 h 56 min 46 s
